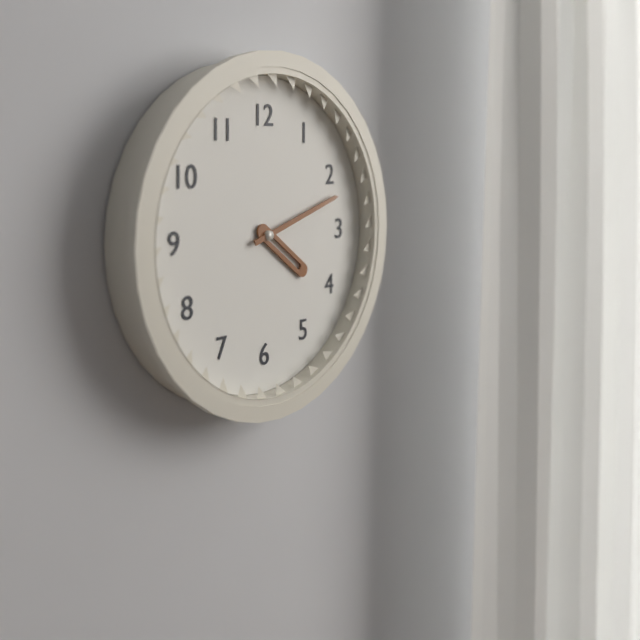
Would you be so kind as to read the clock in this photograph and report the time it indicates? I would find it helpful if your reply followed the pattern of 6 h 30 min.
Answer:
4 h 12 min
